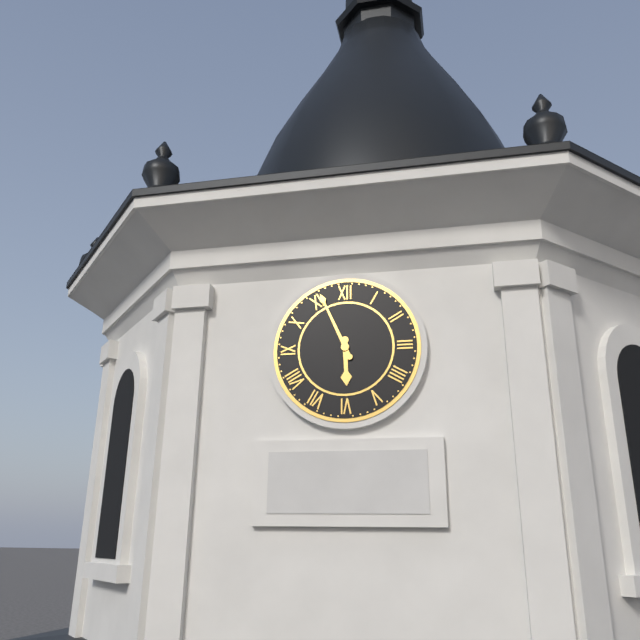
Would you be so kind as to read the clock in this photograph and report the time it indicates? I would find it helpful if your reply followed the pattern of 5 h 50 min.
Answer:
5 h 56 min
